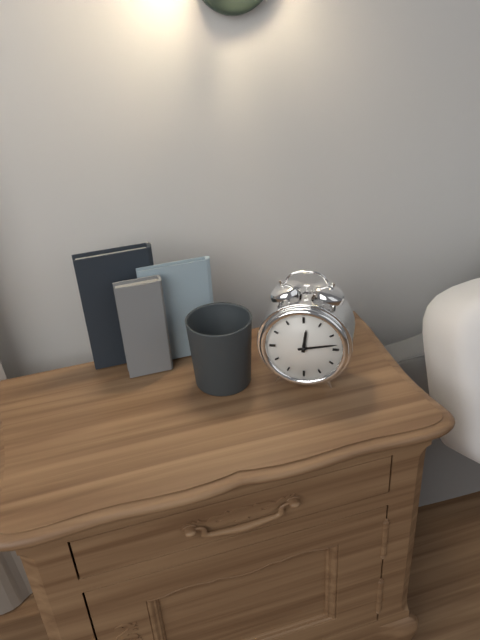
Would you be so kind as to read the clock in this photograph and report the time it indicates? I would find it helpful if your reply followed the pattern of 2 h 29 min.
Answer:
12 h 13 min
